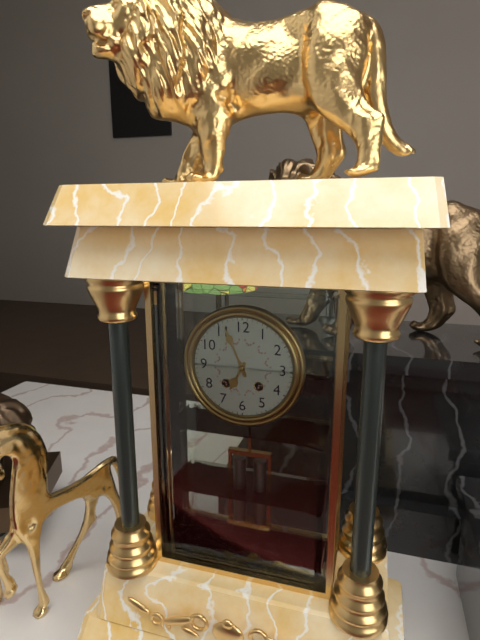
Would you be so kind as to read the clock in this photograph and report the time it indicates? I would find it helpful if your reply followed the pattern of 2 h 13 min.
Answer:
6 h 56 min
